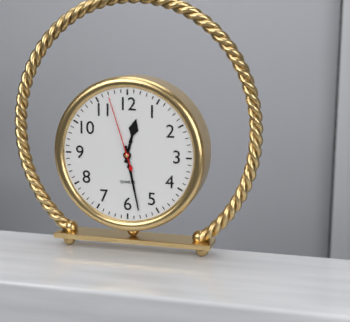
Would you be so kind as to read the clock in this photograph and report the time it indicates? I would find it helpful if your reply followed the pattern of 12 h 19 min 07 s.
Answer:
12 h 28 min 57 s
